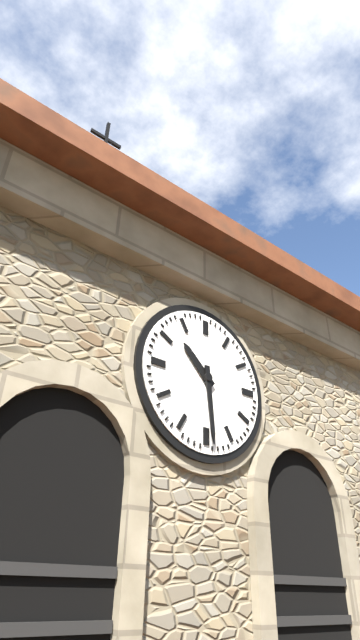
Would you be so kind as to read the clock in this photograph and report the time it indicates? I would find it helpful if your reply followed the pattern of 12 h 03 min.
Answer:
10 h 29 min
